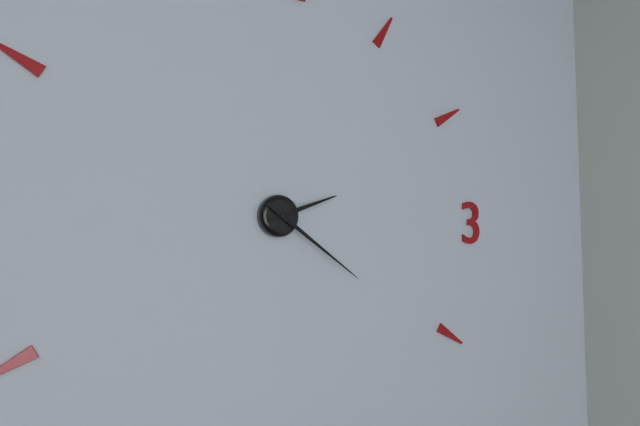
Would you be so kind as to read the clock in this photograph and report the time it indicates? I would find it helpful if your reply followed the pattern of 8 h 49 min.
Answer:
2 h 21 min
